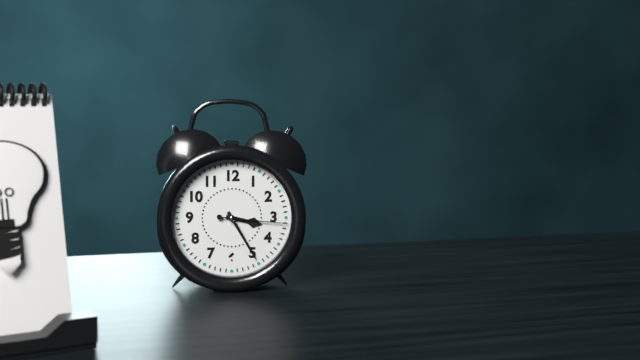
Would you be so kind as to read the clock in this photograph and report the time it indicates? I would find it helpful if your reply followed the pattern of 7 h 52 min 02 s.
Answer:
3 h 25 min 16 s
